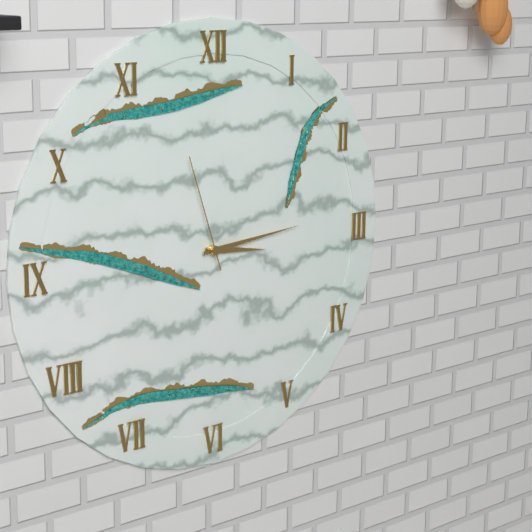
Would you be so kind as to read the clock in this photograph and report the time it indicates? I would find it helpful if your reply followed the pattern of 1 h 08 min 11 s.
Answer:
3 h 14 min 57 s
